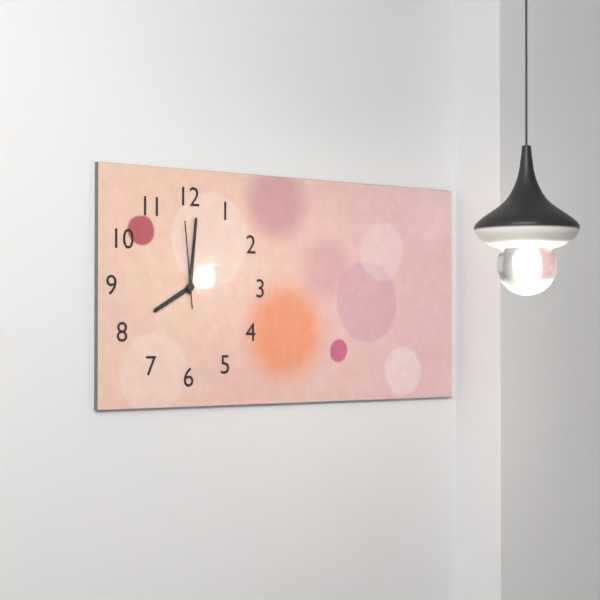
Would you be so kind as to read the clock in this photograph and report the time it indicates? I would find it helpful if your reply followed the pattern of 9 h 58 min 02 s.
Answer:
8 h 01 min 59 s
